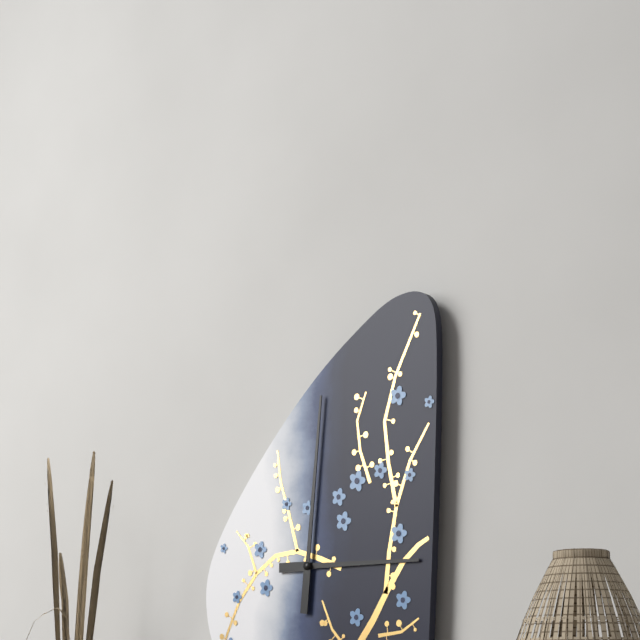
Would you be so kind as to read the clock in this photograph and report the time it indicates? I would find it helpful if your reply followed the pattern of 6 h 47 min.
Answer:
3 h 01 min
